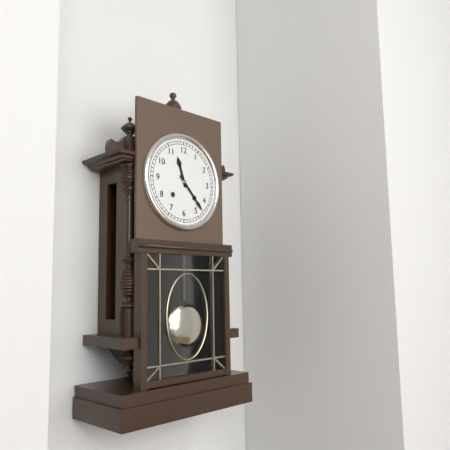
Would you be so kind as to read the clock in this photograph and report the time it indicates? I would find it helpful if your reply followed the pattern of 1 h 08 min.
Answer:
11 h 23 min
